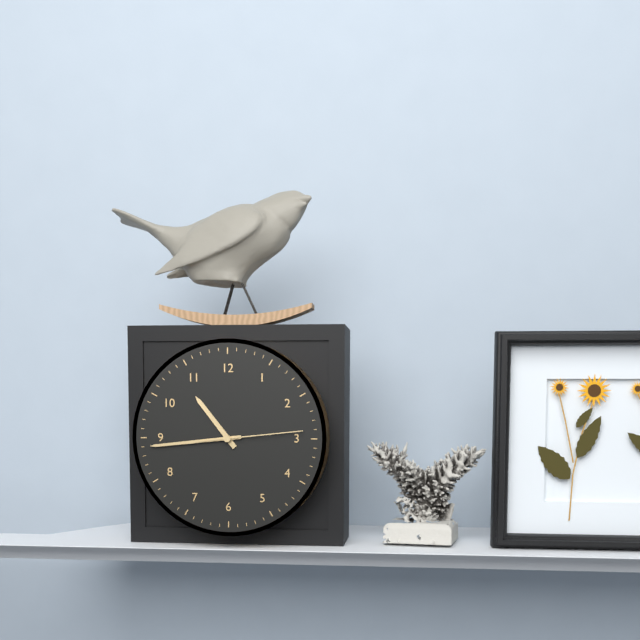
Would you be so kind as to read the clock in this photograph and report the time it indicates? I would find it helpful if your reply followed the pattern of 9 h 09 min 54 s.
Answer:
10 h 44 min 14 s
